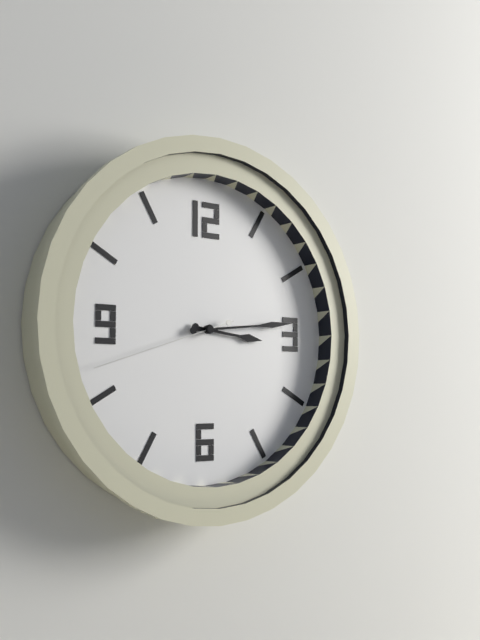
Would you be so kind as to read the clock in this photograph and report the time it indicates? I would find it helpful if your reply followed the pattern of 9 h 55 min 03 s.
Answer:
3 h 14 min 42 s
